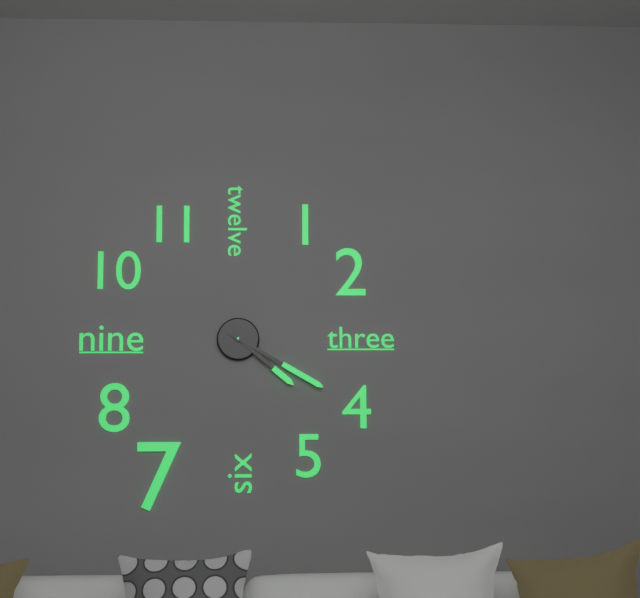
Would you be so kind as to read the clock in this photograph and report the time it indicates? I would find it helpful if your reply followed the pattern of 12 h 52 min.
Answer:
4 h 20 min
